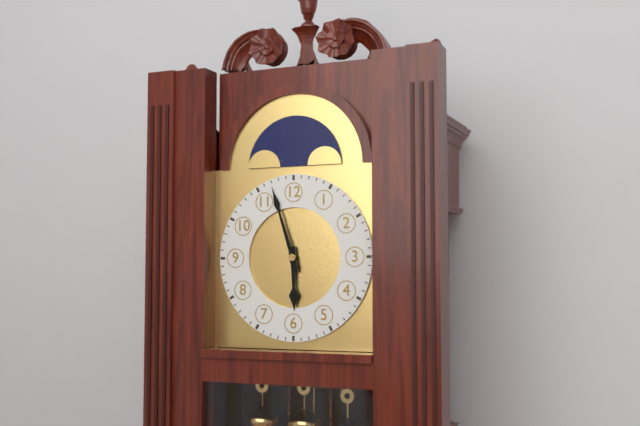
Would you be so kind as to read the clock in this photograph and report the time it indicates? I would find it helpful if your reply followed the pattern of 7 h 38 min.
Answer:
5 h 57 min
